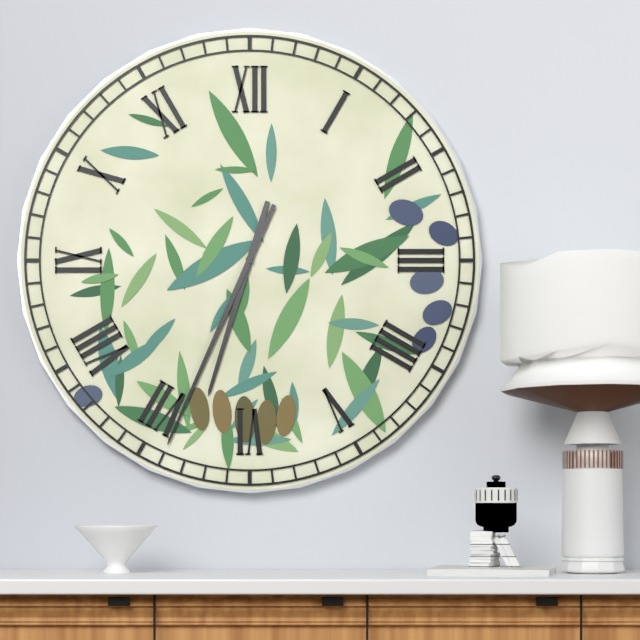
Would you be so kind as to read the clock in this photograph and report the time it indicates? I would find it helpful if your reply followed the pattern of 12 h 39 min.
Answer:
6 h 34 min
